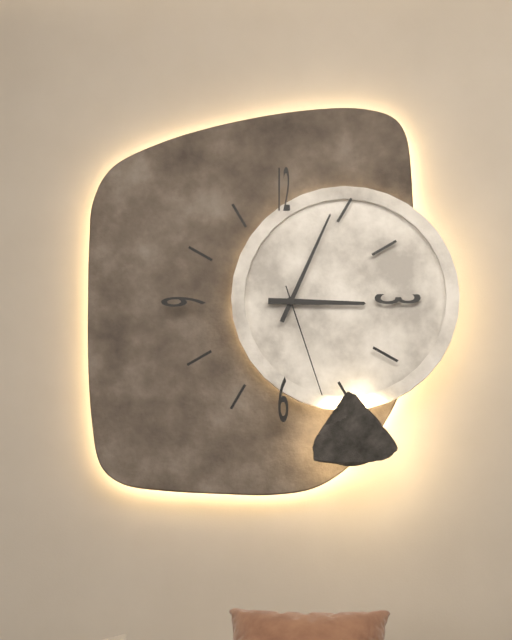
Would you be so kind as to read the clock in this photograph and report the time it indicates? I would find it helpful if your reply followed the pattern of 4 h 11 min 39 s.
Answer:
3 h 04 min 27 s
